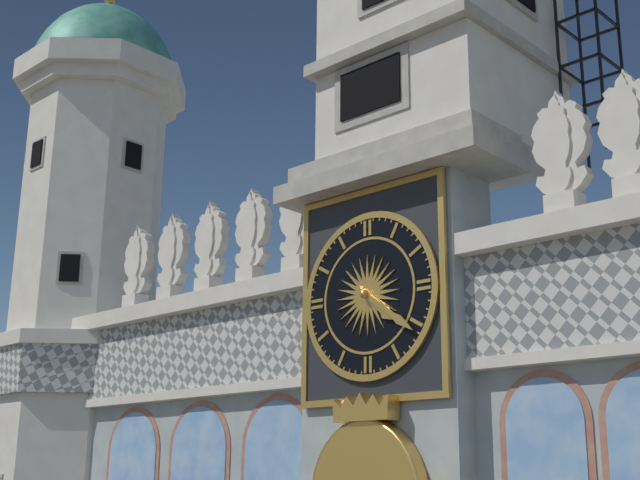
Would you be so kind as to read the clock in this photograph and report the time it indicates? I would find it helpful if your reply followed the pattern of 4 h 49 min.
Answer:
4 h 21 min
